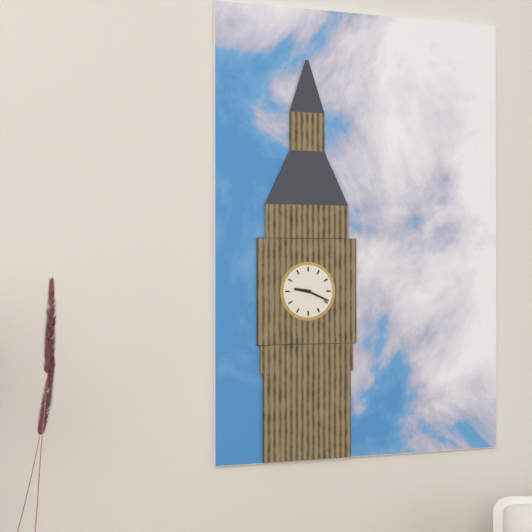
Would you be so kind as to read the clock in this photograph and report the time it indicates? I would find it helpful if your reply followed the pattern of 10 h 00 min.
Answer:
9 h 19 min
